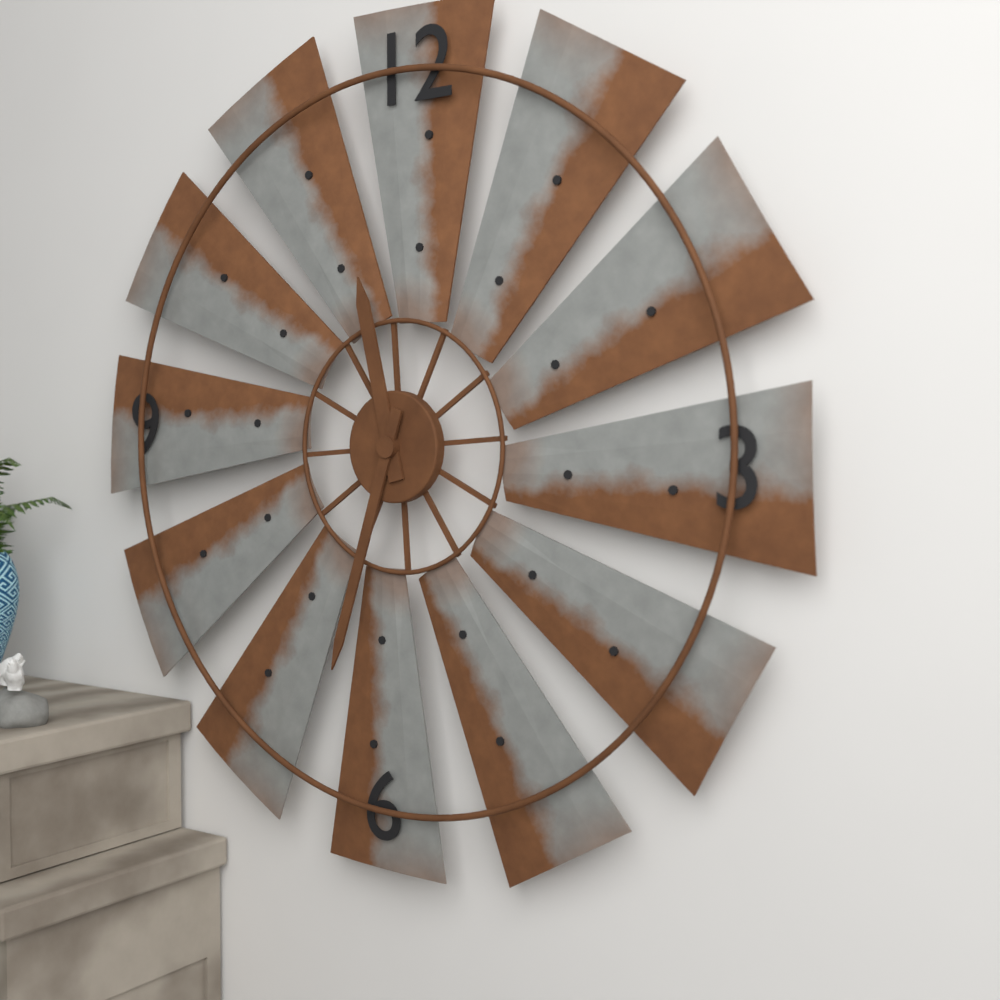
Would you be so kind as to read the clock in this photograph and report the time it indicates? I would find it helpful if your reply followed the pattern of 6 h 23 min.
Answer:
11 h 33 min
